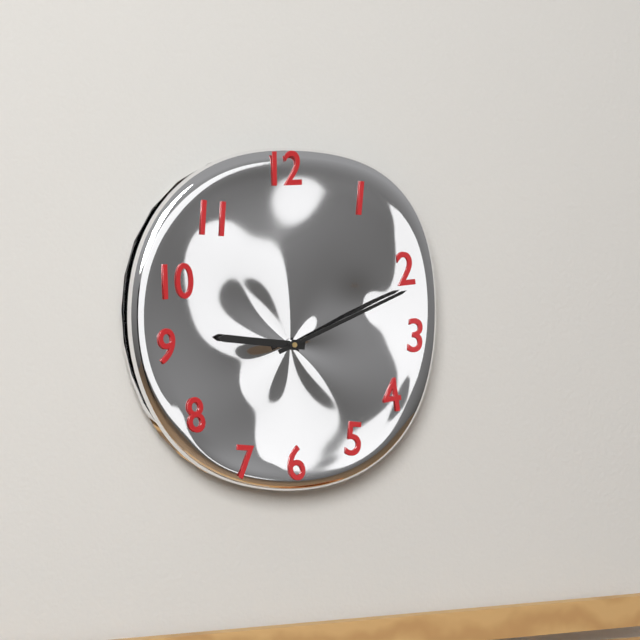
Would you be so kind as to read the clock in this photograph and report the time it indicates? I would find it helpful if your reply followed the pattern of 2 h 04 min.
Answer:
9 h 11 min
